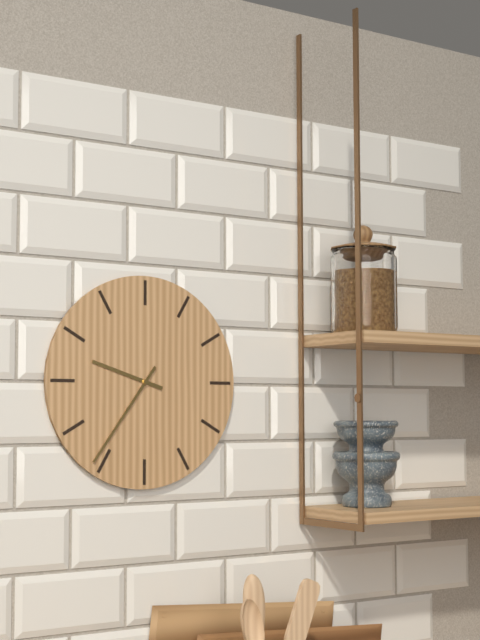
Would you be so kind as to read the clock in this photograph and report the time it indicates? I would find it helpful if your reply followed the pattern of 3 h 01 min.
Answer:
9 h 36 min
